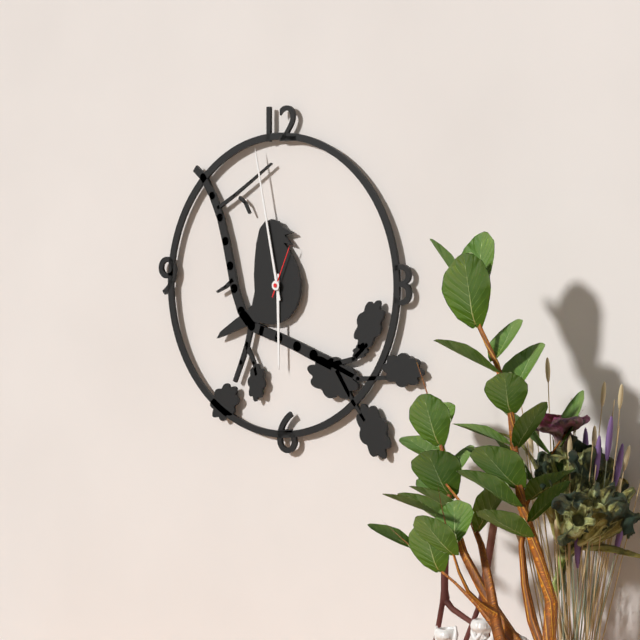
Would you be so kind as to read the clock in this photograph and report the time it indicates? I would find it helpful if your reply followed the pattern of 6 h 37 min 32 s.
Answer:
5 h 58 min 04 s
